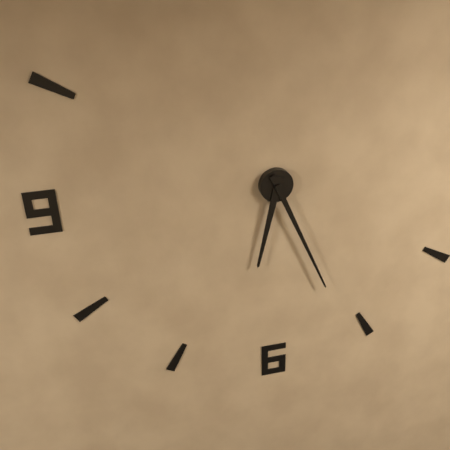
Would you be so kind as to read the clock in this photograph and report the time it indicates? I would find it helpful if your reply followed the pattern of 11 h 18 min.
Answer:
6 h 26 min
